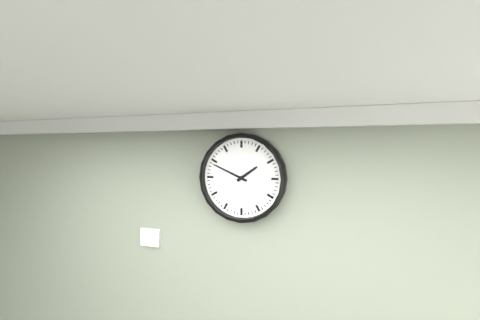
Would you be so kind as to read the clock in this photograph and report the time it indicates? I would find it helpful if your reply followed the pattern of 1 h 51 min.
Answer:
1 h 49 min
